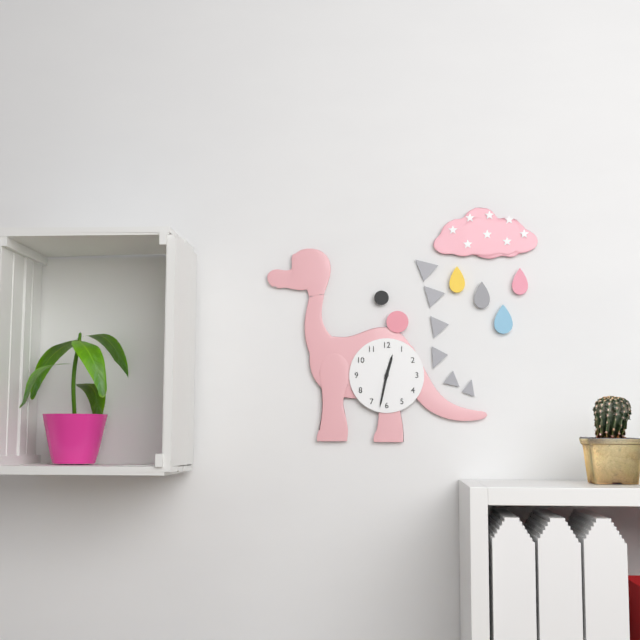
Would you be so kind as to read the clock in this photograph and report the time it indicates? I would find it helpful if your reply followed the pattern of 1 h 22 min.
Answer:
12 h 32 min
